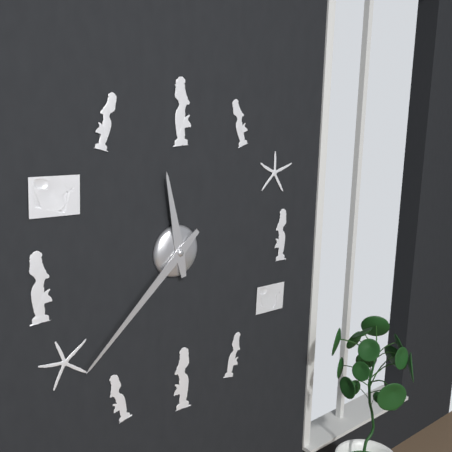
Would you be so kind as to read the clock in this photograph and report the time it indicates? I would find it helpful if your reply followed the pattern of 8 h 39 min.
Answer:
11 h 38 min
